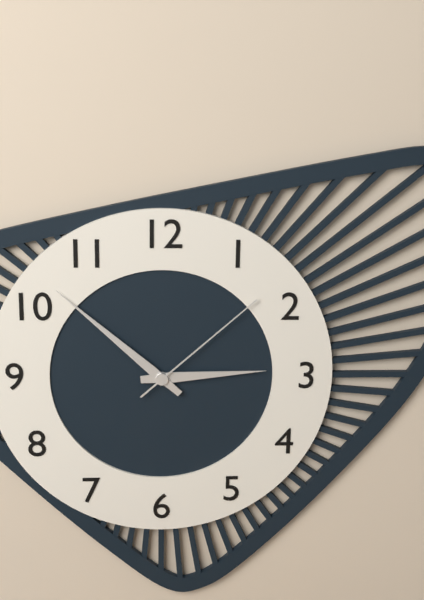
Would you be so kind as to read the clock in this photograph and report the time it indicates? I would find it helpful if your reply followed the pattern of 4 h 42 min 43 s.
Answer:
2 h 52 min 08 s
